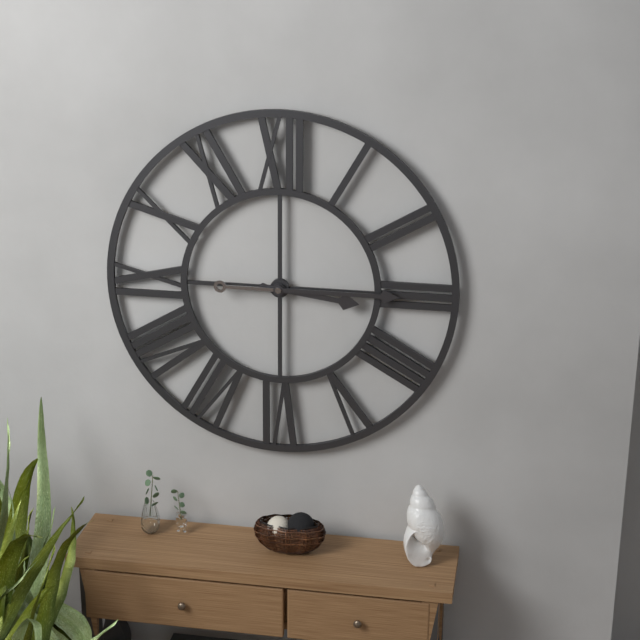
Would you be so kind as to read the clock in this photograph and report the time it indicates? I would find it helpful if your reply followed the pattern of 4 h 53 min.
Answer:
3 h 15 min
